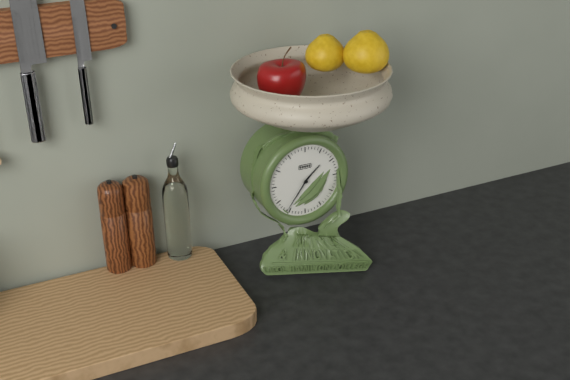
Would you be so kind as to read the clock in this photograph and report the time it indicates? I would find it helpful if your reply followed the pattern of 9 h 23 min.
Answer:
1 h 36 min
